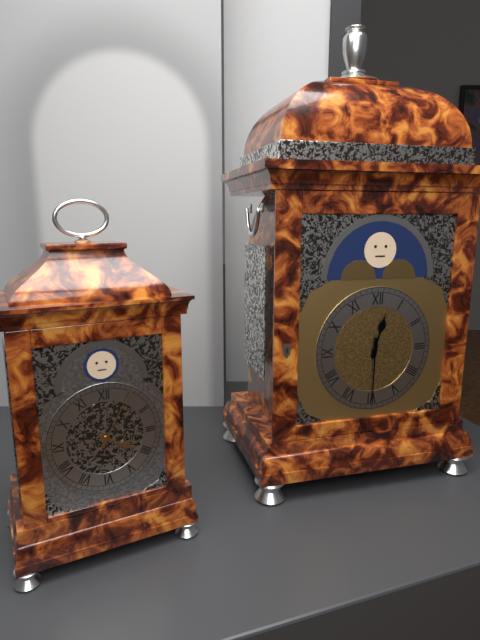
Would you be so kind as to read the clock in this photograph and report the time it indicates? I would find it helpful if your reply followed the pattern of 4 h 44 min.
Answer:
12 h 30 min
